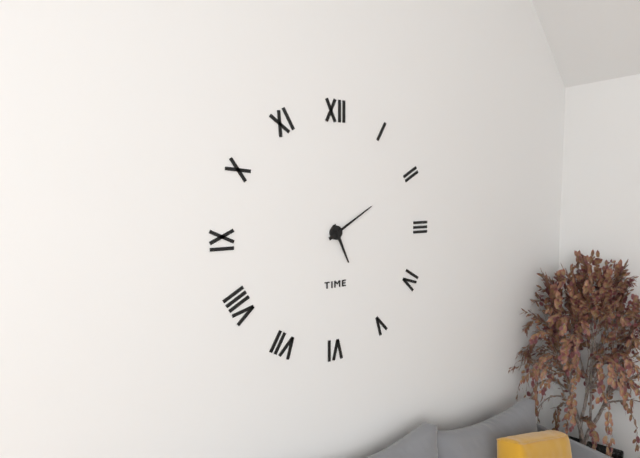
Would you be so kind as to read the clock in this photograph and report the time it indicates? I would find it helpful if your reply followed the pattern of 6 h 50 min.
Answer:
5 h 10 min
